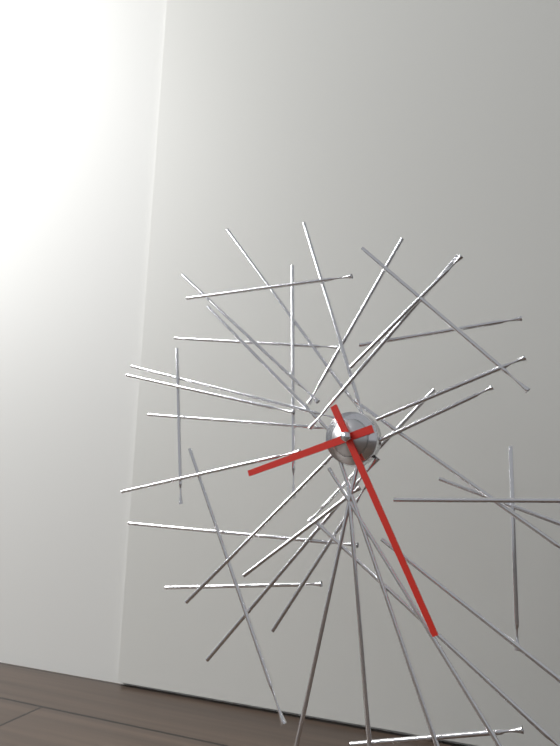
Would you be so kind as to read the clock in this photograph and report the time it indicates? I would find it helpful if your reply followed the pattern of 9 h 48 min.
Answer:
8 h 26 min
